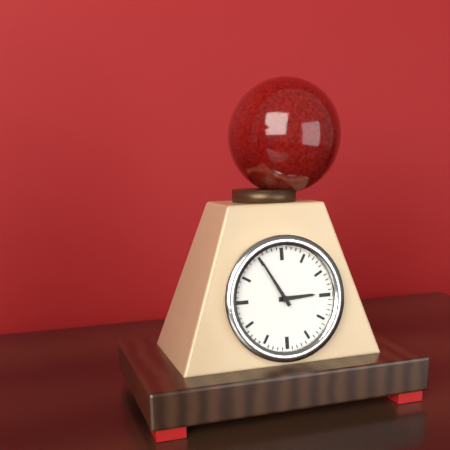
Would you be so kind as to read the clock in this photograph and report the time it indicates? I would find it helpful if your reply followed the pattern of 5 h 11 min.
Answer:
2 h 55 min
